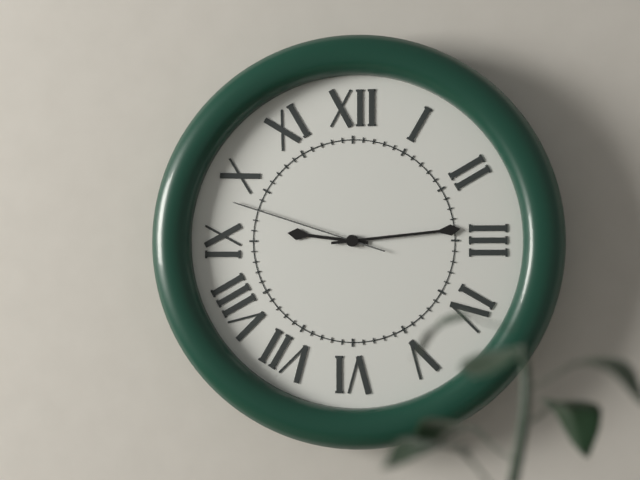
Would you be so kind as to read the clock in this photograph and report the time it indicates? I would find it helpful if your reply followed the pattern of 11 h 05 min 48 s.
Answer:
9 h 14 min 48 s
